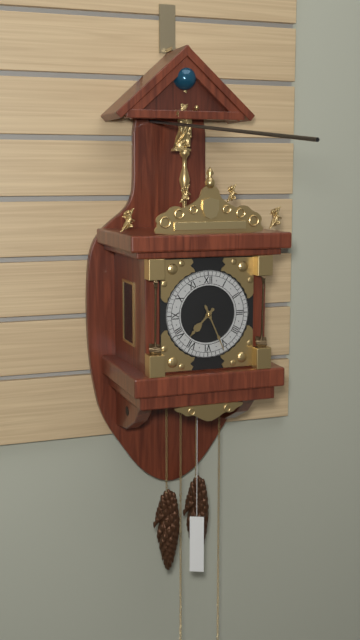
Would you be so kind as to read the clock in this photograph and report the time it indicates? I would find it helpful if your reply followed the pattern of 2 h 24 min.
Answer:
7 h 26 min
